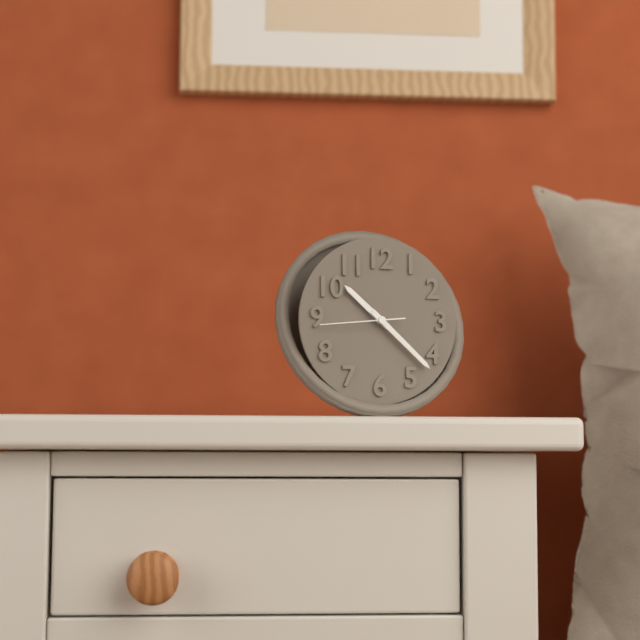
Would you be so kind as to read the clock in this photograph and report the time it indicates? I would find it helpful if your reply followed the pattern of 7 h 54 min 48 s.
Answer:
10 h 22 min 44 s
